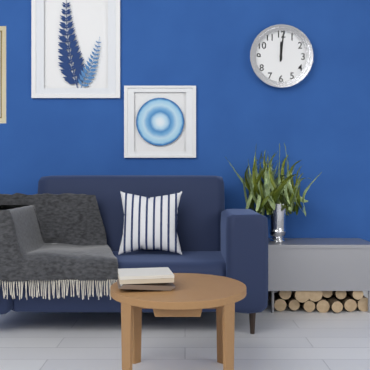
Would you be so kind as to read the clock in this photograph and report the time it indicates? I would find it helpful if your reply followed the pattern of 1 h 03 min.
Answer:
12 h 01 min
